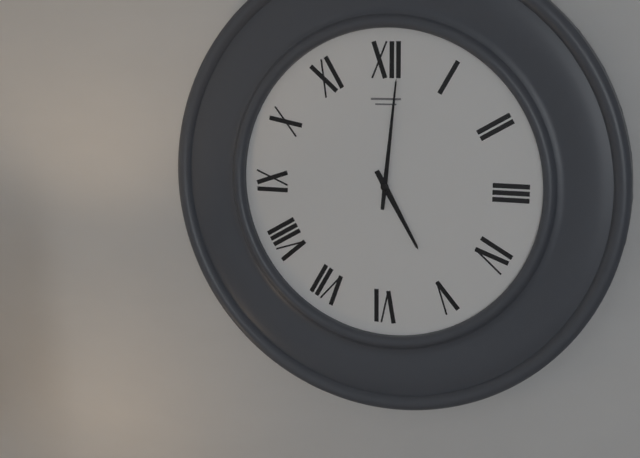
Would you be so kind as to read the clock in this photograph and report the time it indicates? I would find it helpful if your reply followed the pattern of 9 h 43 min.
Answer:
5 h 01 min
